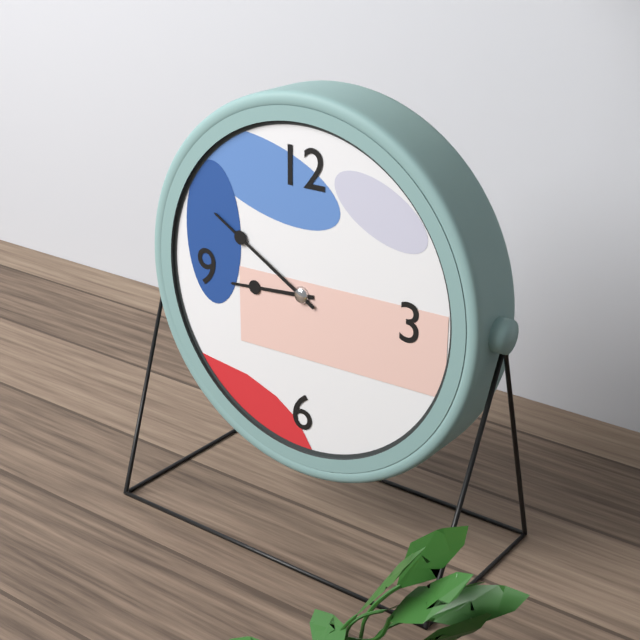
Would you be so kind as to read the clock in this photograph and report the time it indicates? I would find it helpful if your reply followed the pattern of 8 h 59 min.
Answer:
8 h 50 min
